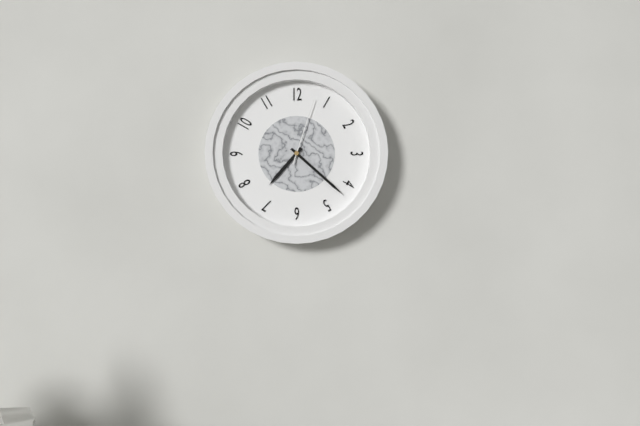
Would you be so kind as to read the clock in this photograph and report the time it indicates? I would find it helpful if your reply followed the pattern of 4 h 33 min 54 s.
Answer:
7 h 22 min 03 s
